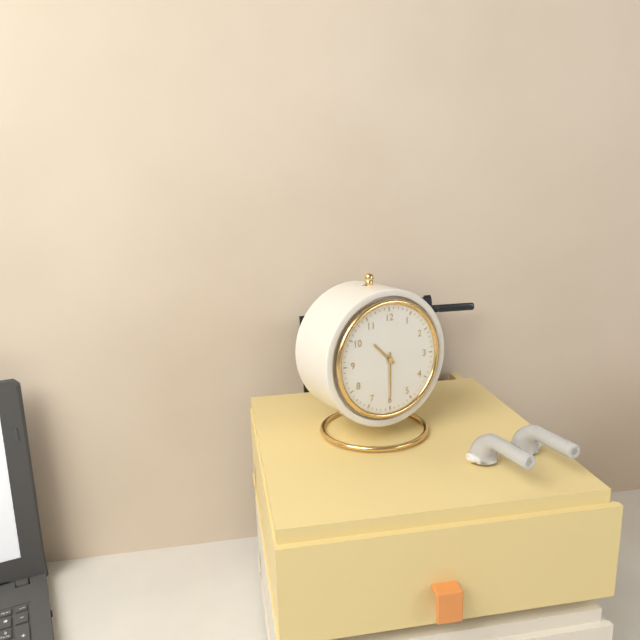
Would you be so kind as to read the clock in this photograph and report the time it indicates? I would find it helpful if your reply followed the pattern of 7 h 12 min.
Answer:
10 h 30 min
